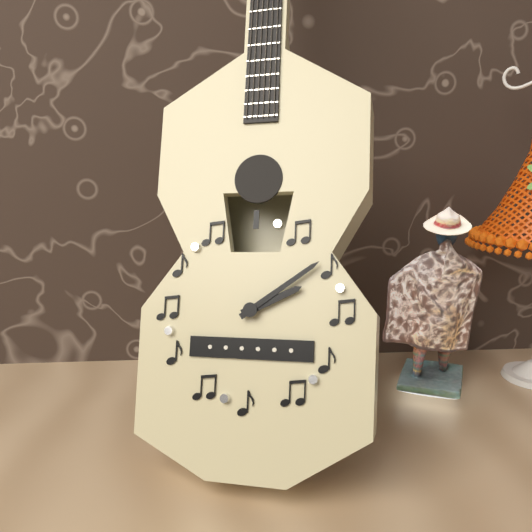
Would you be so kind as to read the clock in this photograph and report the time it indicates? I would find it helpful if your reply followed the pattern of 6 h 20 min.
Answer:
2 h 09 min
